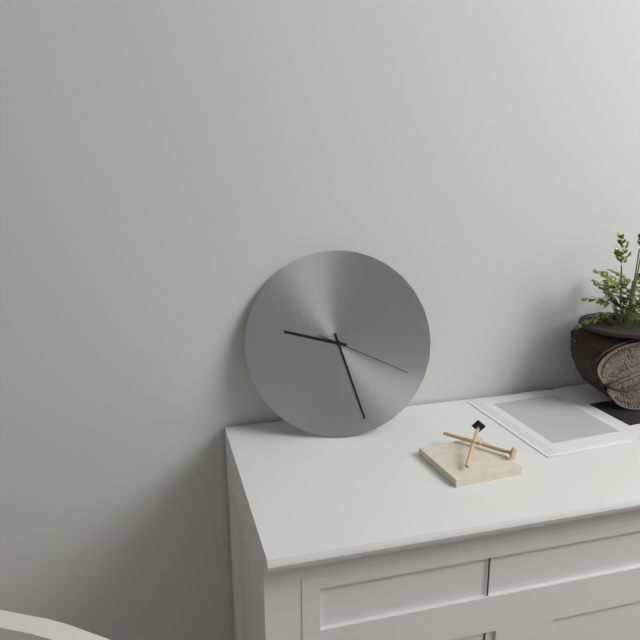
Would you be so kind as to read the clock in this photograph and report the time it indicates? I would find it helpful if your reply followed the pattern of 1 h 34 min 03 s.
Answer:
9 h 27 min 19 s
